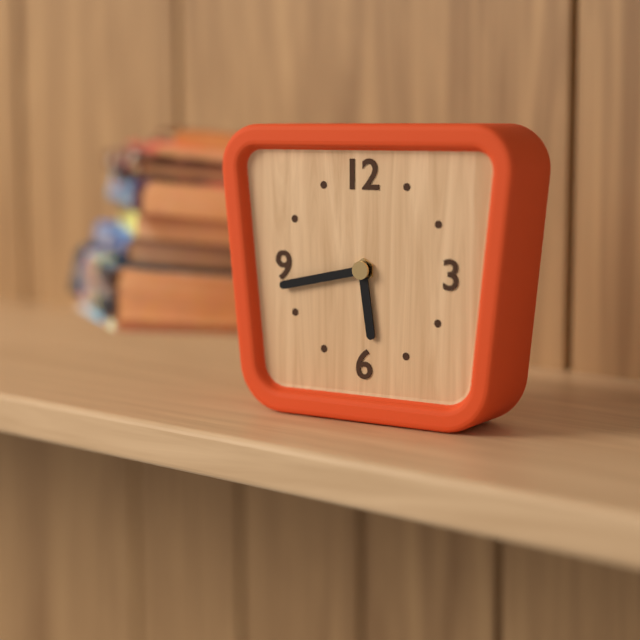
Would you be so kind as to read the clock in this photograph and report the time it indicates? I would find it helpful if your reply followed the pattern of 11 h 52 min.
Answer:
5 h 43 min
